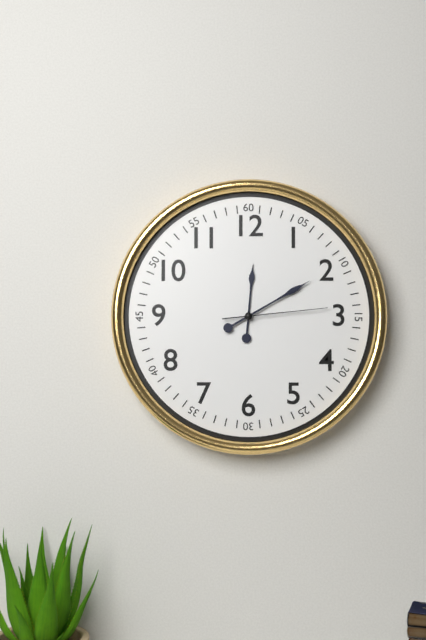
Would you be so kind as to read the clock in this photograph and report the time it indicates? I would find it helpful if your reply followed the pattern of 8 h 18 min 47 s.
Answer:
12 h 10 min 14 s
